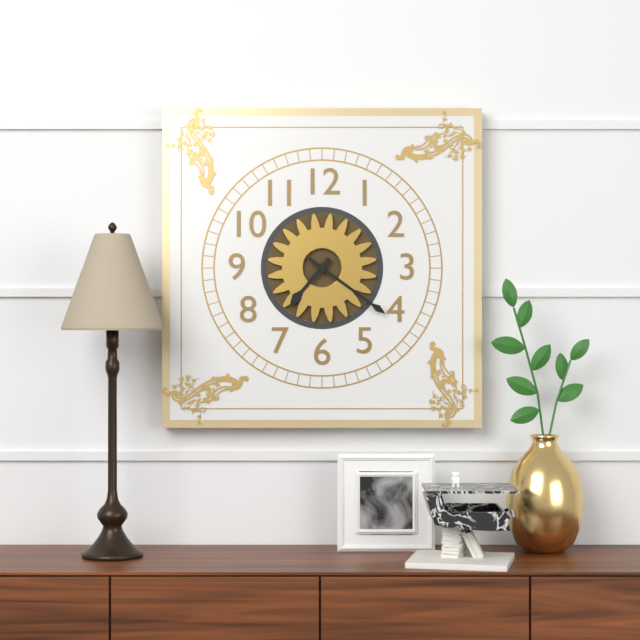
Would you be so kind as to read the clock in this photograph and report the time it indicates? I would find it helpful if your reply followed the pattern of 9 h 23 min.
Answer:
7 h 21 min
